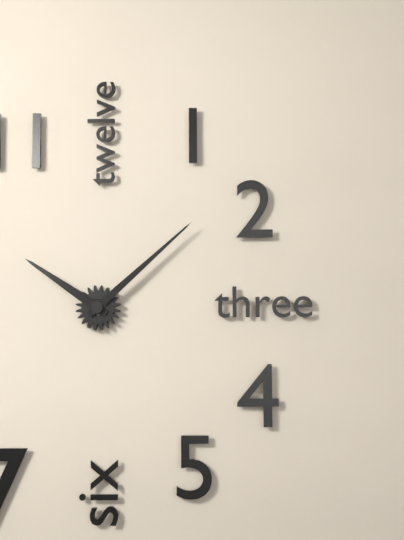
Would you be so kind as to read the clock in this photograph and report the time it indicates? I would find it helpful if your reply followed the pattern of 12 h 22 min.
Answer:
10 h 08 min
